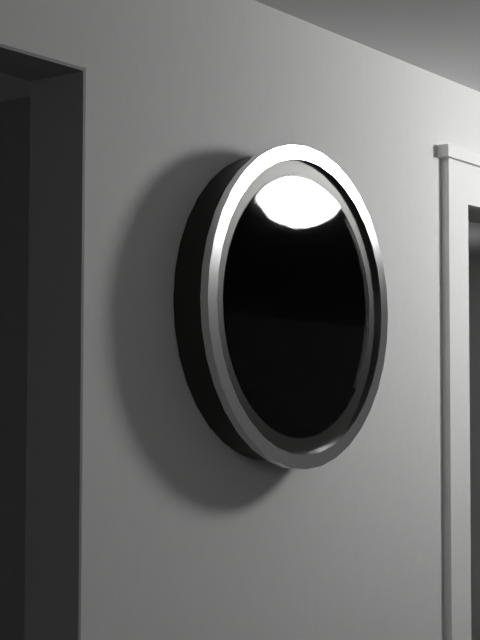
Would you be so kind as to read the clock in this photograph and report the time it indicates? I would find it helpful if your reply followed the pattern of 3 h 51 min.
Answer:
3 h 07 min
